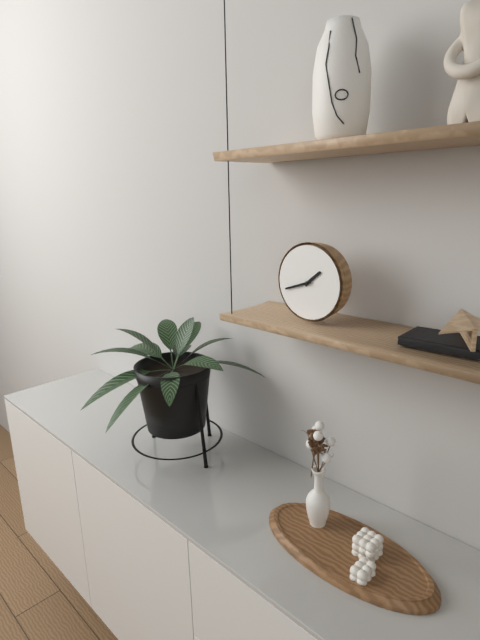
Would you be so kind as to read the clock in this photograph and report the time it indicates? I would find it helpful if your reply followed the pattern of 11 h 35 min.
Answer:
1 h 42 min
